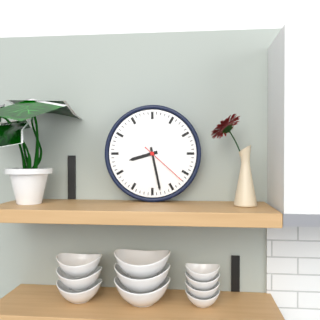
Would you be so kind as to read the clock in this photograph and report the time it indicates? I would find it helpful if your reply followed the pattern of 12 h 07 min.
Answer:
8 h 28 min
